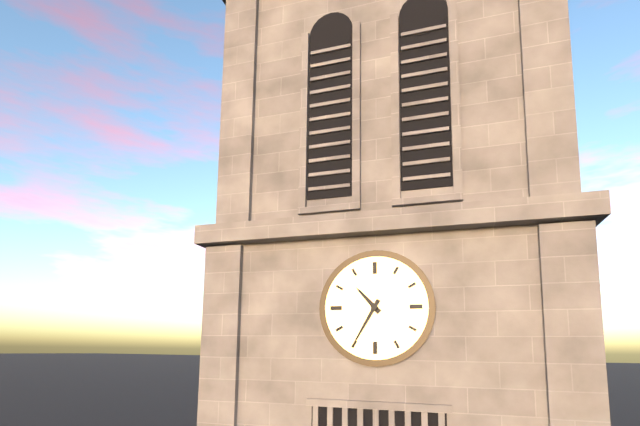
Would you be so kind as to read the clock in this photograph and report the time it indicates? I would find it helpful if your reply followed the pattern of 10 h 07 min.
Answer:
10 h 35 min
